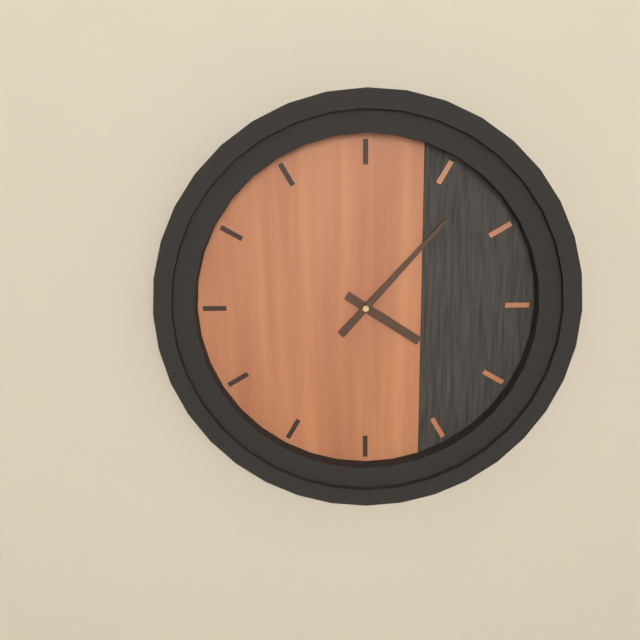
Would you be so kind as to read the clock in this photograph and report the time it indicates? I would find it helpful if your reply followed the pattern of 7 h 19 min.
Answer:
4 h 07 min
